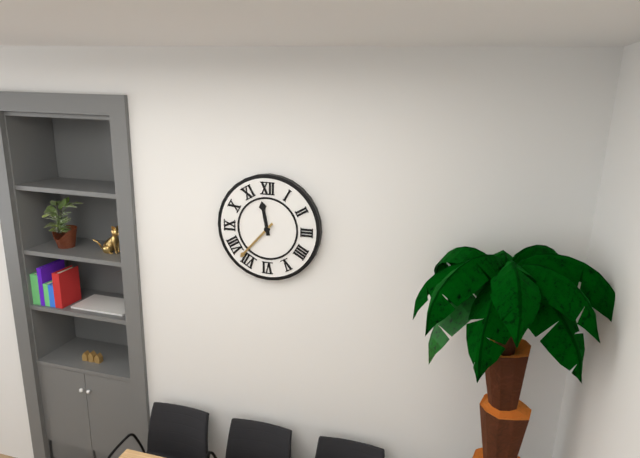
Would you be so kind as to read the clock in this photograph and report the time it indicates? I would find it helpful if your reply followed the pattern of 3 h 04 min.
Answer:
11 h 37 min
